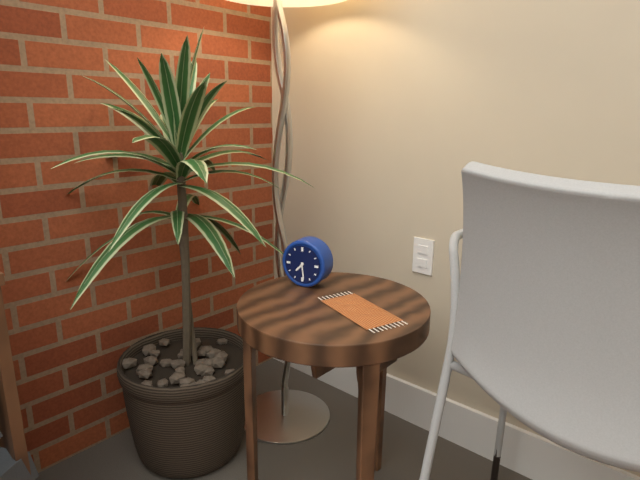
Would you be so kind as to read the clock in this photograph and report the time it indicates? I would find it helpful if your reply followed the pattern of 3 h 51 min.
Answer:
7 h 29 min
